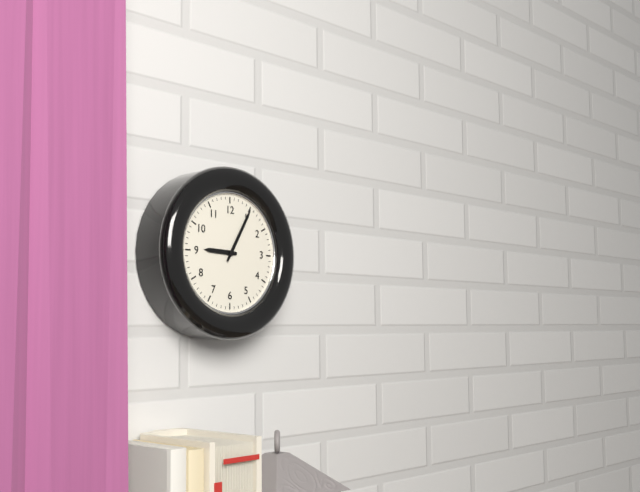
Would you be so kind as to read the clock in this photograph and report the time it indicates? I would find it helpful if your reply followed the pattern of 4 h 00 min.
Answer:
9 h 05 min
